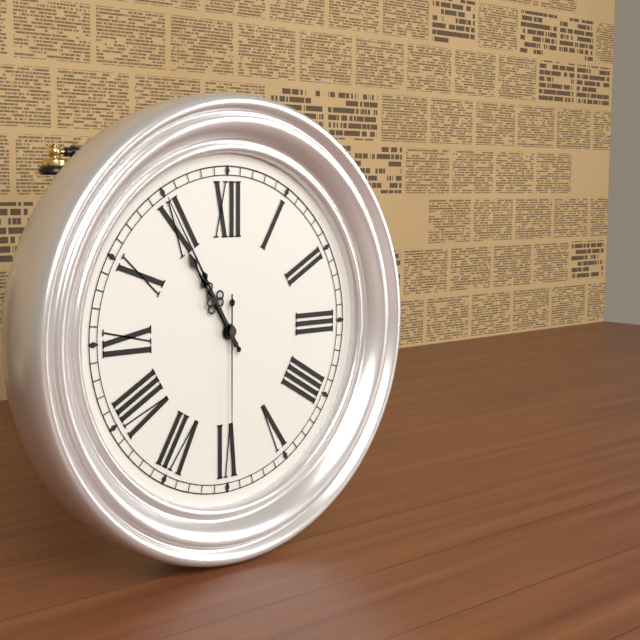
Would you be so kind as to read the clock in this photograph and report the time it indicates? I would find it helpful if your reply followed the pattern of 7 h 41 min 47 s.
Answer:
10 h 55 min 30 s
